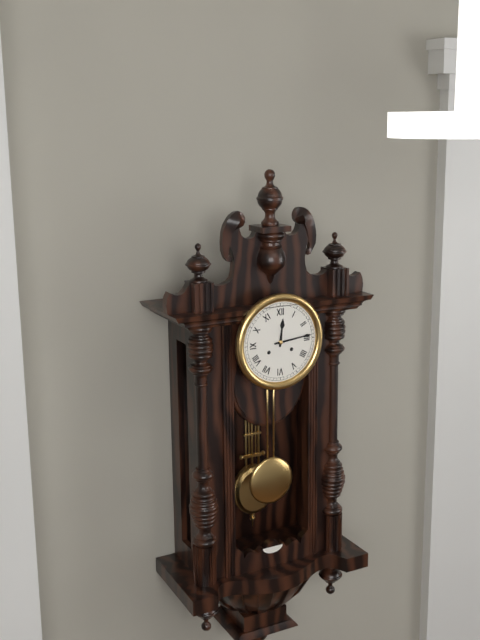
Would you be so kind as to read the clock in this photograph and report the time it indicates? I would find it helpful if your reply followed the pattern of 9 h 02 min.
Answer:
12 h 14 min
